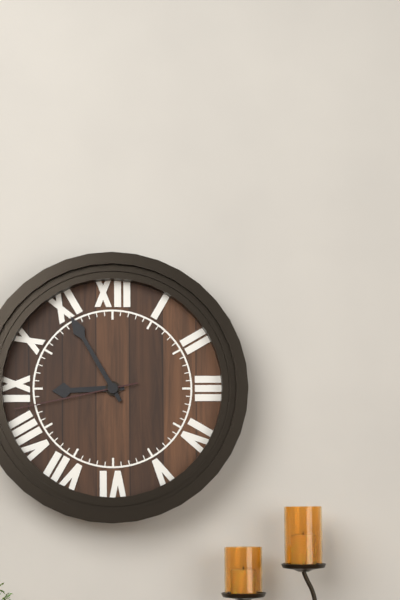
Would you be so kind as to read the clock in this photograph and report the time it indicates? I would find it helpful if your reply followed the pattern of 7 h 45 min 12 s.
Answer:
8 h 55 min 43 s
